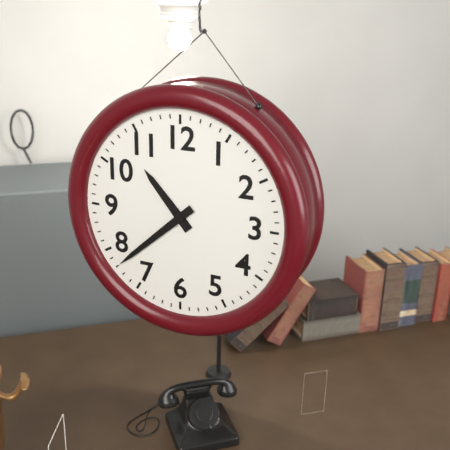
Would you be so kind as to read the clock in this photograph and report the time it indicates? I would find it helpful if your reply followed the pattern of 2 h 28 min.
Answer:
10 h 38 min
